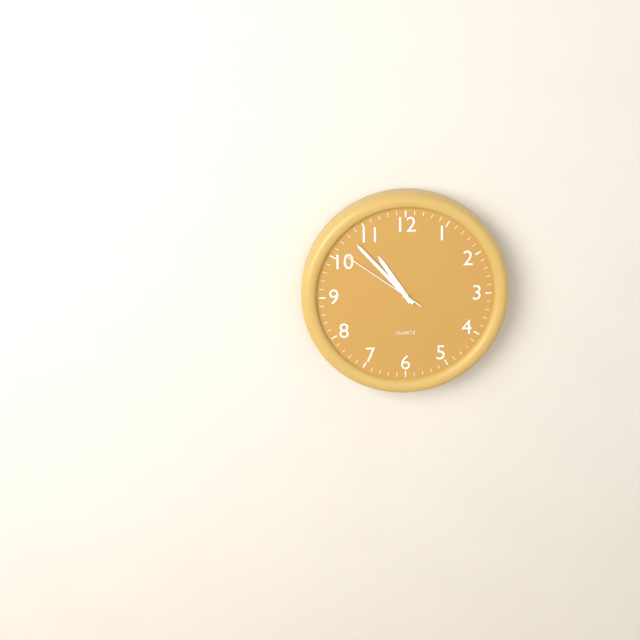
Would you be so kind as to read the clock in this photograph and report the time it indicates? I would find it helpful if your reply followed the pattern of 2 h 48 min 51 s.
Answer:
10 h 53 min 51 s
